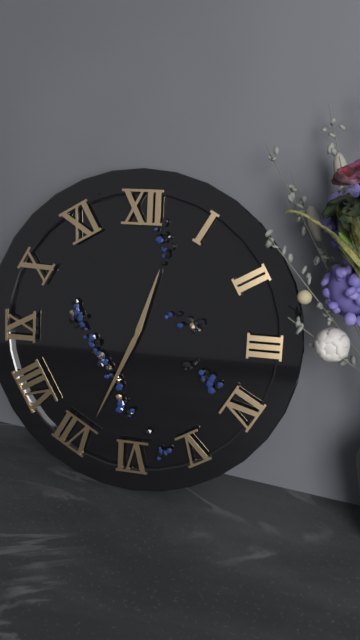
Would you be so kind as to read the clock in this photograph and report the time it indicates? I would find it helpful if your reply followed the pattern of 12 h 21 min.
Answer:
12 h 34 min
